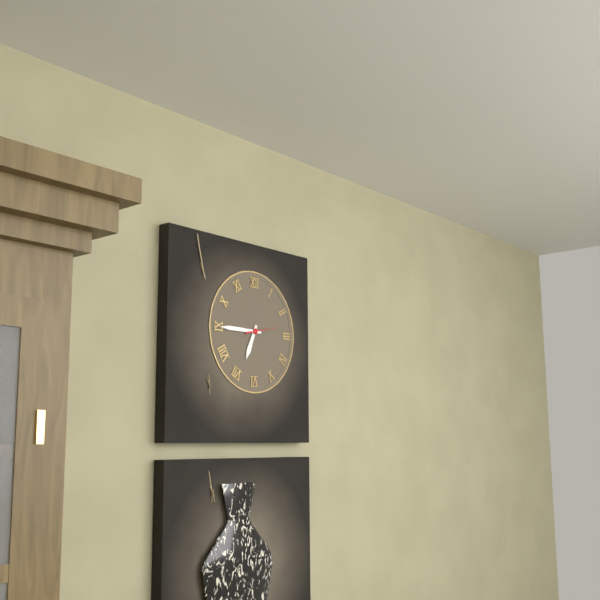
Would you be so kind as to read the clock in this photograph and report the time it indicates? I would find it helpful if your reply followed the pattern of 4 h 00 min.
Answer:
6 h 45 min
